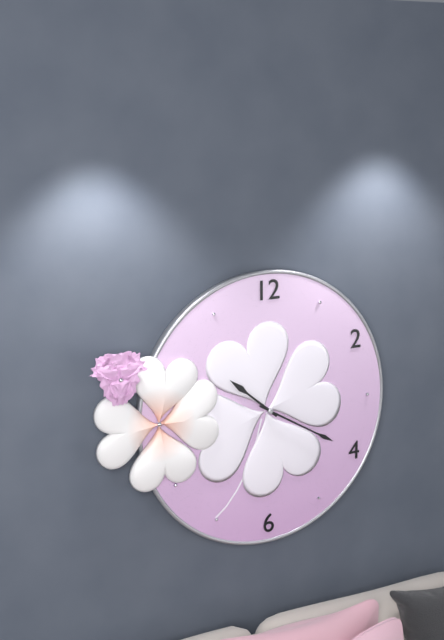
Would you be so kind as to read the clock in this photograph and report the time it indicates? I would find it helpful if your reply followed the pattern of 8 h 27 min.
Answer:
10 h 20 min
